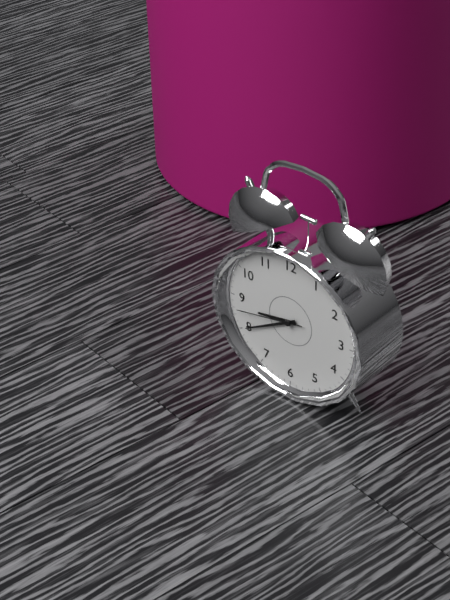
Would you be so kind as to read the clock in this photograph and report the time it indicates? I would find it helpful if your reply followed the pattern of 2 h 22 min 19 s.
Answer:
8 h 40 min 43 s
